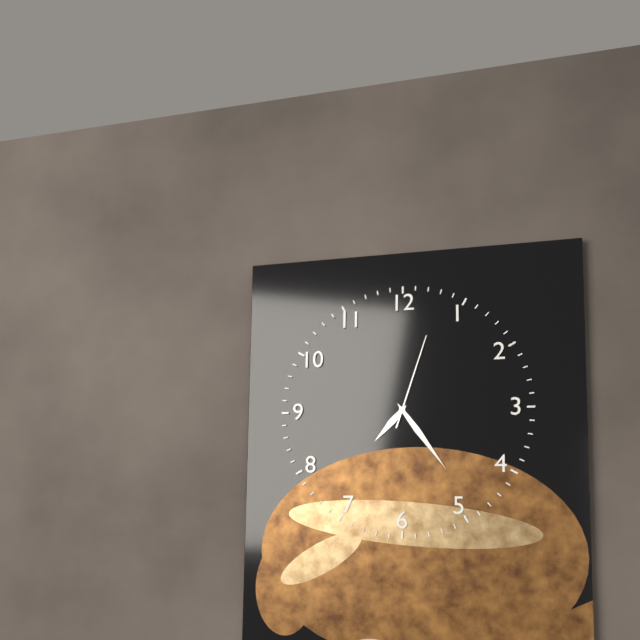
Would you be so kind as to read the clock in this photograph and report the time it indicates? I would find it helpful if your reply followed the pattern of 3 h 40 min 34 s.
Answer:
7 h 24 min 03 s
